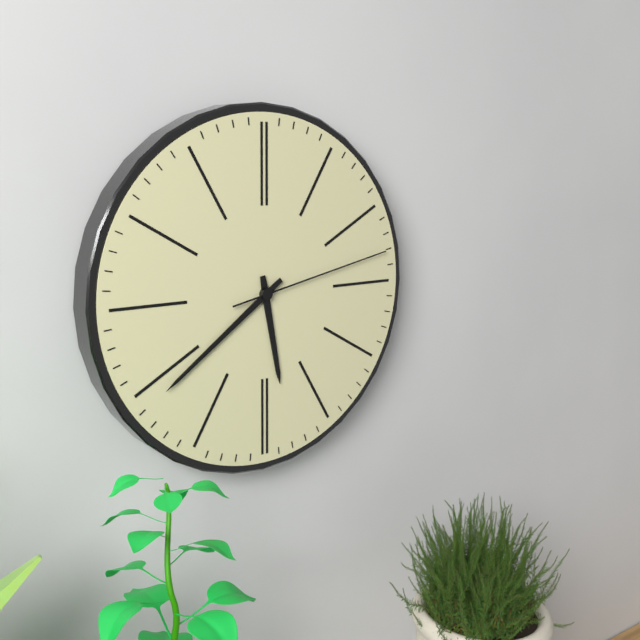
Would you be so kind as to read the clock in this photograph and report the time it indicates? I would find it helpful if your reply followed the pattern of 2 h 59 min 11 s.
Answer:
5 h 39 min 13 s
